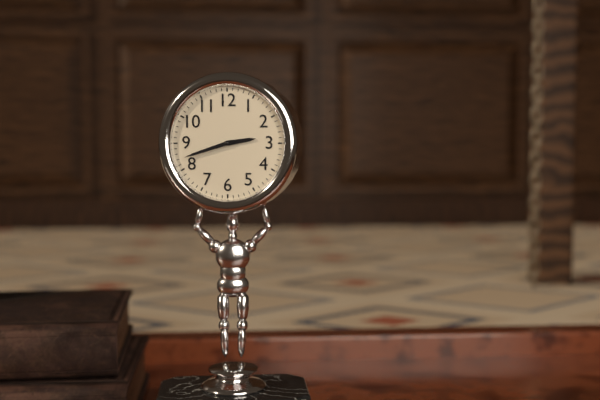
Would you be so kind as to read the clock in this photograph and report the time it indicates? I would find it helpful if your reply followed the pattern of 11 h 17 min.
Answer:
2 h 42 min
